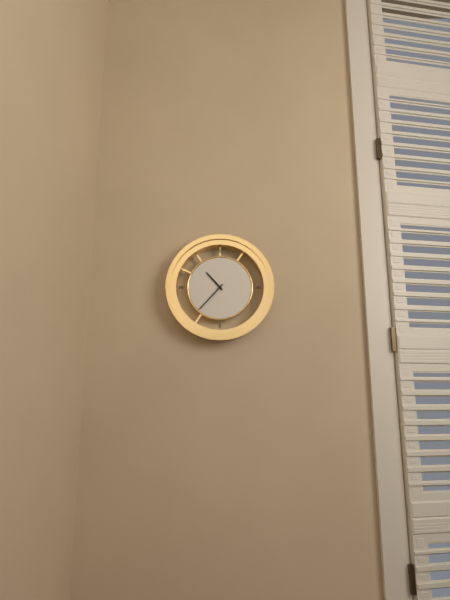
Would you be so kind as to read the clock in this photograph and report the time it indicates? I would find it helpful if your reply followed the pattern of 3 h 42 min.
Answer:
10 h 37 min
